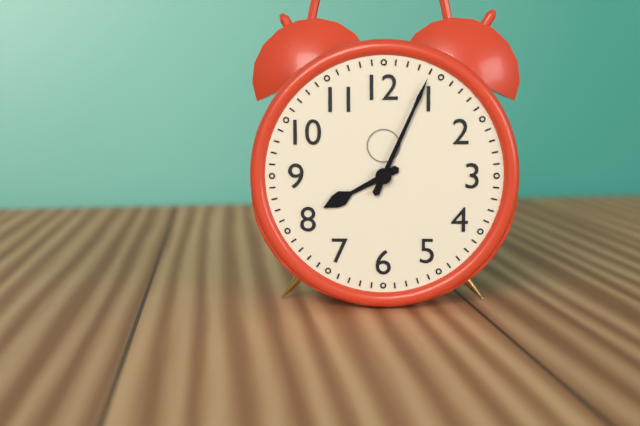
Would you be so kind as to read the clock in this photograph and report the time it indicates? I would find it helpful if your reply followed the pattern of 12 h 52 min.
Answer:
8 h 04 min
